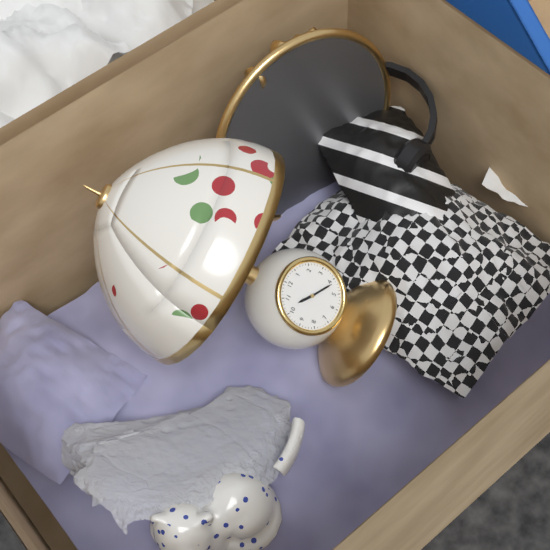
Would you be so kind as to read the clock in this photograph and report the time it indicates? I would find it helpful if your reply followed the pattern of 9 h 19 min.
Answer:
10 h 21 min
